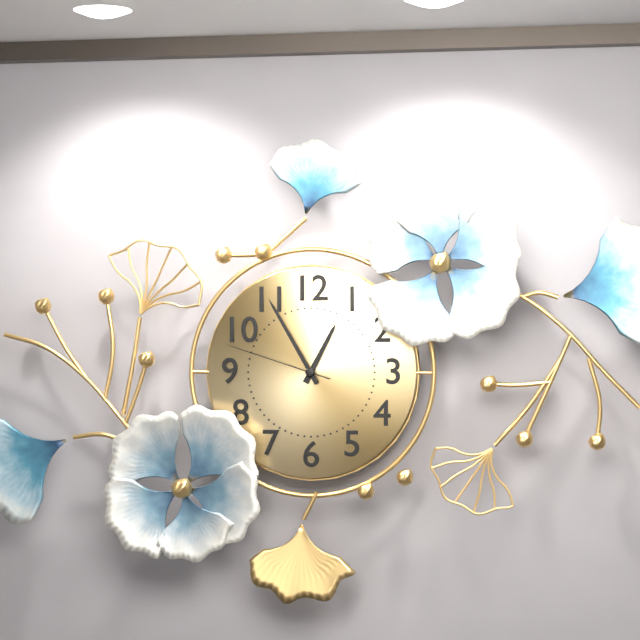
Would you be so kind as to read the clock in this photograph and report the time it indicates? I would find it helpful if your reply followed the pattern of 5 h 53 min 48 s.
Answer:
12 h 55 min 48 s
